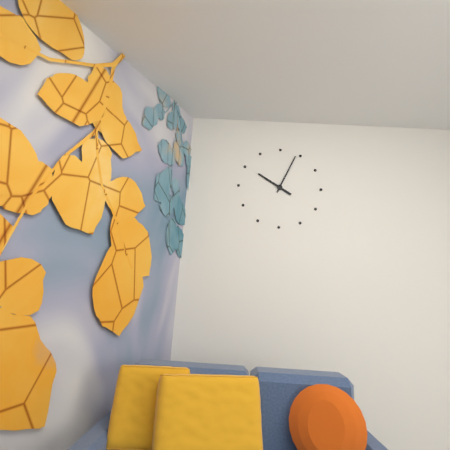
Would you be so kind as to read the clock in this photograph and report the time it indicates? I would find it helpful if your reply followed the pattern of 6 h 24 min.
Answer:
10 h 04 min
